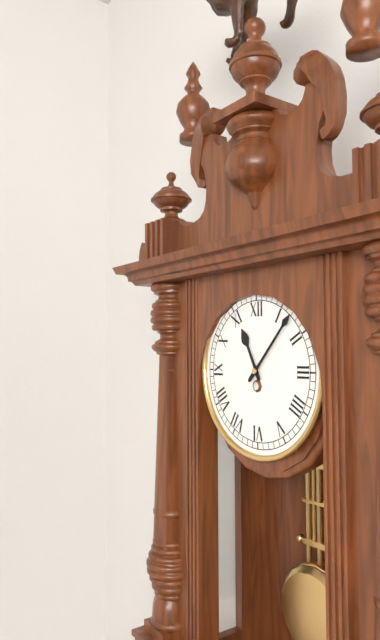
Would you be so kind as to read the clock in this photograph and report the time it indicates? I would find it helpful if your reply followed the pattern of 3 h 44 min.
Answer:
11 h 07 min
